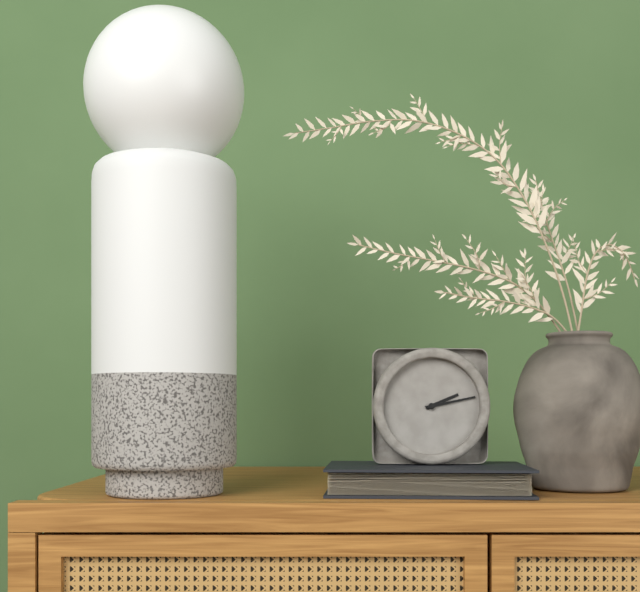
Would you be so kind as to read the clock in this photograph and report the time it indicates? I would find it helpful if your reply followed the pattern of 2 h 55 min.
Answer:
2 h 13 min
